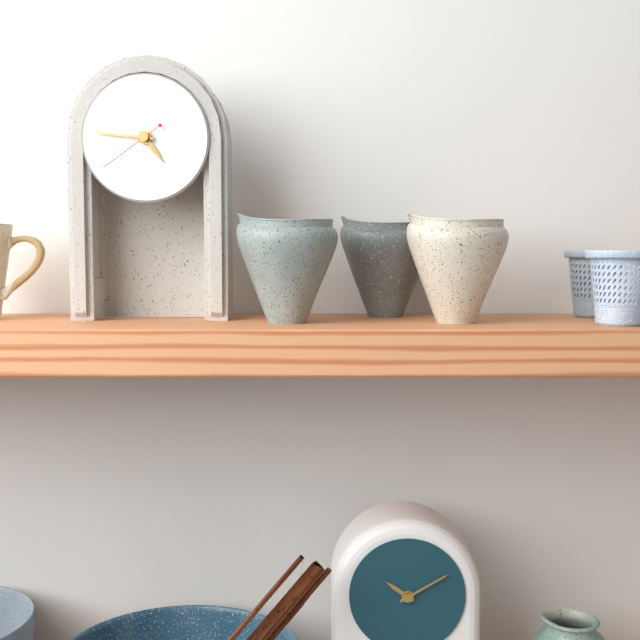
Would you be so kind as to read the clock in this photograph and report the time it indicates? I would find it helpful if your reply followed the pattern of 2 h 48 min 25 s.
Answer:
4 h 46 min 39 s
